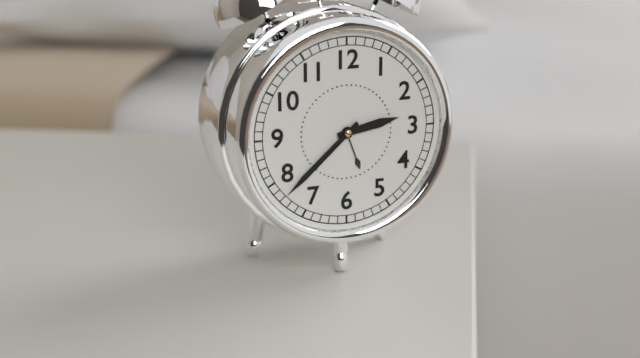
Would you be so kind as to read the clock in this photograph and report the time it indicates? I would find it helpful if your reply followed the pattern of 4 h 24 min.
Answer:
2 h 38 min
